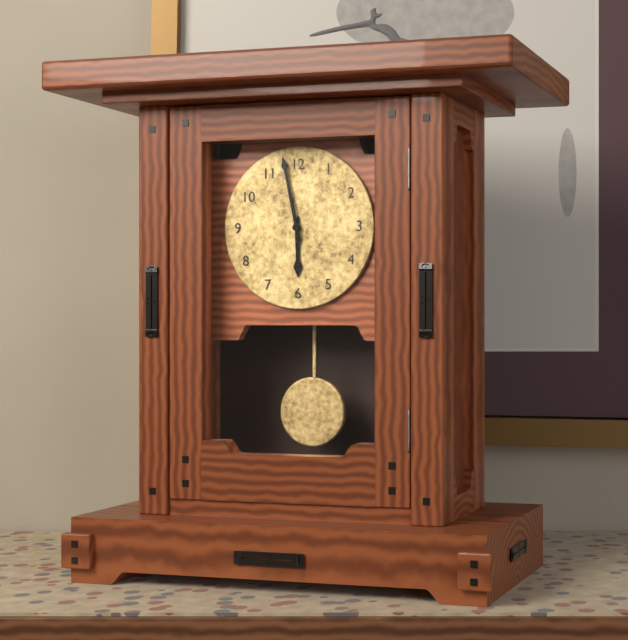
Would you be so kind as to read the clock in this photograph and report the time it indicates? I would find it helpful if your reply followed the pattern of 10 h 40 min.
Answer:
5 h 58 min
